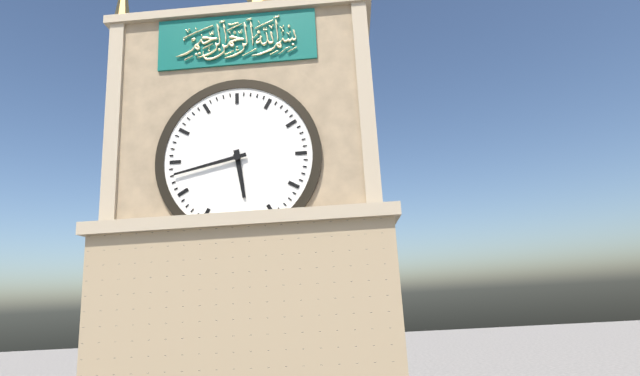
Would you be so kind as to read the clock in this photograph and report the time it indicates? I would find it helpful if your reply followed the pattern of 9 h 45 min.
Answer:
5 h 43 min
